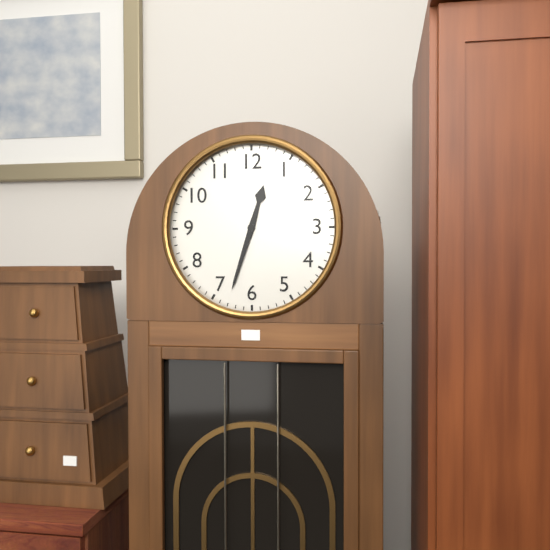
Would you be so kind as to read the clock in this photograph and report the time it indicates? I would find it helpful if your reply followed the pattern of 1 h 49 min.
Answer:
12 h 33 min
